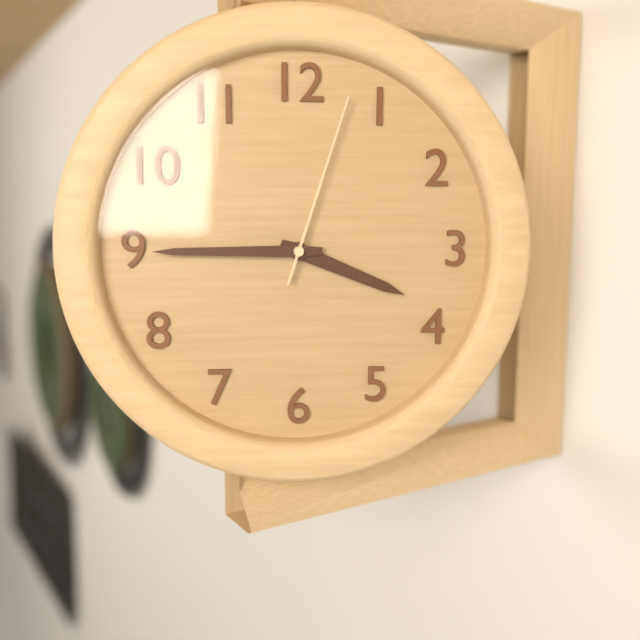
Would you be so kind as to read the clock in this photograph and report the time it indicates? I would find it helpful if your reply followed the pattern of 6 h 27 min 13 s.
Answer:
3 h 45 min 03 s
